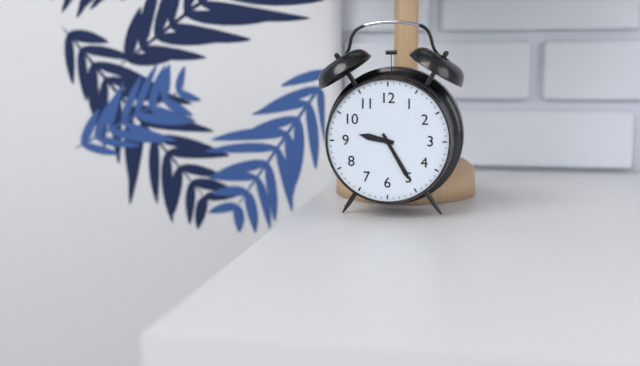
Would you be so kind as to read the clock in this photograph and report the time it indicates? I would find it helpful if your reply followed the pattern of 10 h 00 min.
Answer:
9 h 25 min
